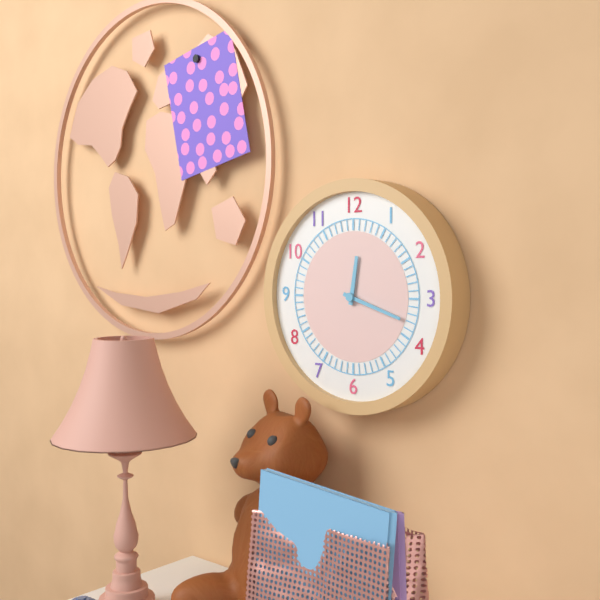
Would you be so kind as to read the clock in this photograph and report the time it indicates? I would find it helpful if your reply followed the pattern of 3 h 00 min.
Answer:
12 h 18 min
